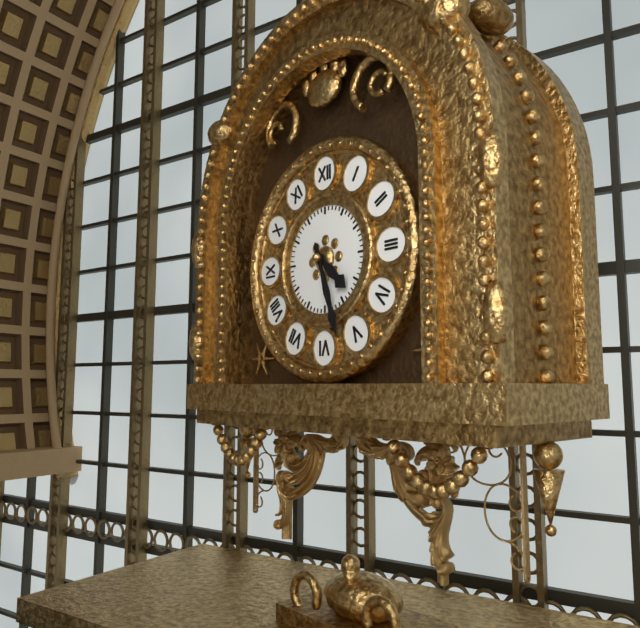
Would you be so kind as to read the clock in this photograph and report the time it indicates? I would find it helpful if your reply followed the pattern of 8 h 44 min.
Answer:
4 h 27 min
